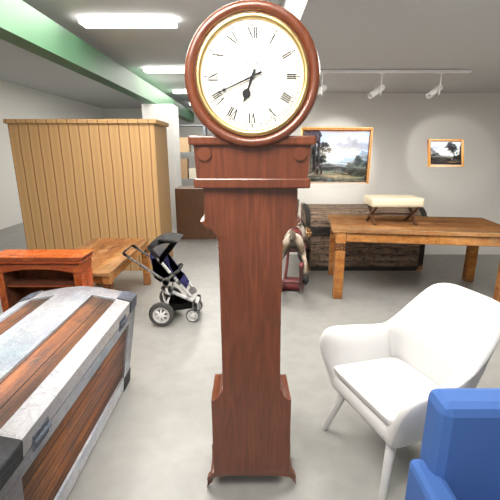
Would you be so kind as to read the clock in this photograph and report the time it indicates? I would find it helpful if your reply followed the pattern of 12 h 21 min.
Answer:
6 h 41 min
